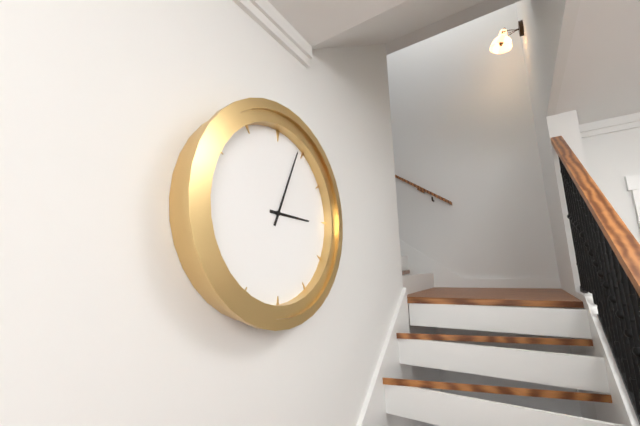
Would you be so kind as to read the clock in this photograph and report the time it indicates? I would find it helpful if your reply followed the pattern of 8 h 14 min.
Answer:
3 h 04 min
